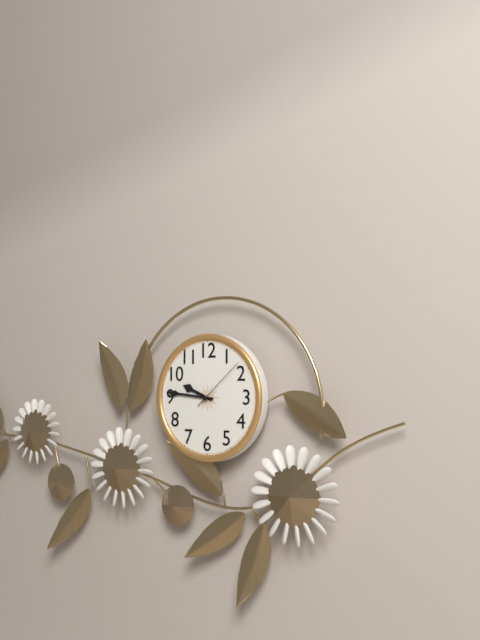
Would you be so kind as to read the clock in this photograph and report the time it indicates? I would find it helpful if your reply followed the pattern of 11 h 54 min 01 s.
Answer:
9 h 46 min 08 s
